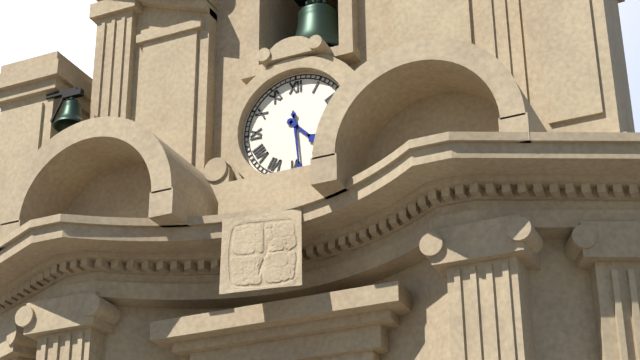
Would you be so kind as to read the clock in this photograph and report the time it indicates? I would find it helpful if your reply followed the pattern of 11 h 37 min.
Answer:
4 h 29 min
